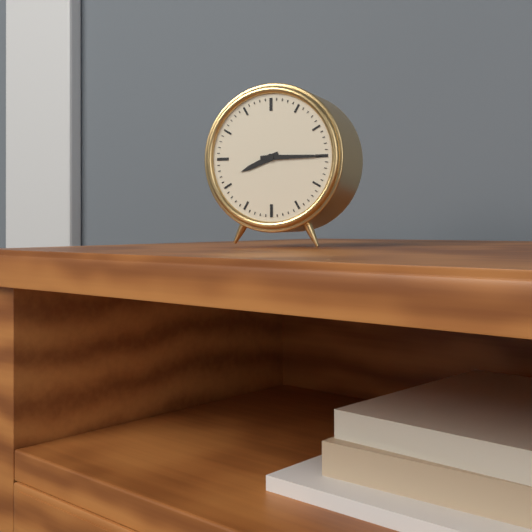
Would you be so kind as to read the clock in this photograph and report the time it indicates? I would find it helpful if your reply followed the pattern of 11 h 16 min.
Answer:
8 h 15 min
